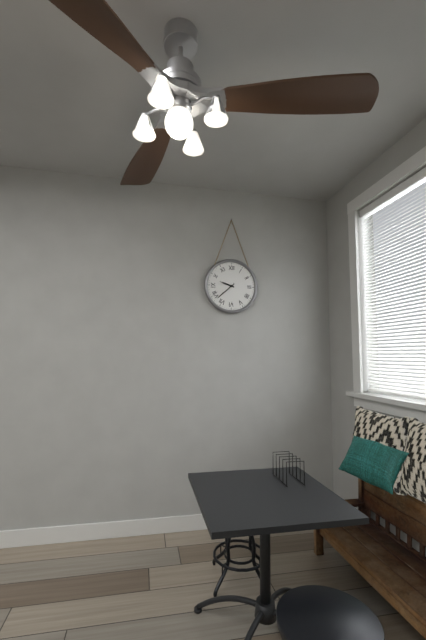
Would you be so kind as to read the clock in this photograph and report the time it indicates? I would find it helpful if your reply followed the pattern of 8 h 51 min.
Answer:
9 h 38 min
